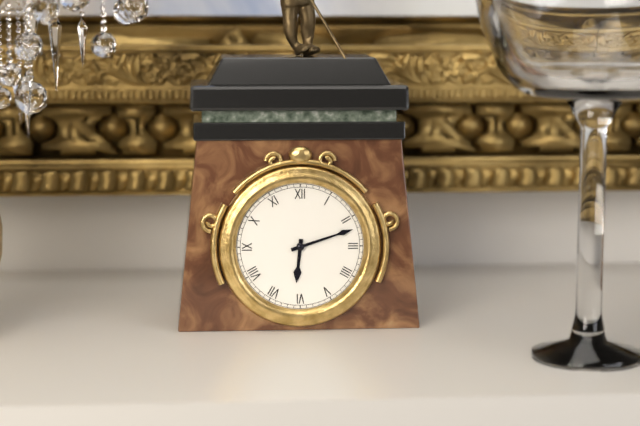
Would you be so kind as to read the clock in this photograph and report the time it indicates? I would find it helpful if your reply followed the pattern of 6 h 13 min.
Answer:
6 h 12 min
